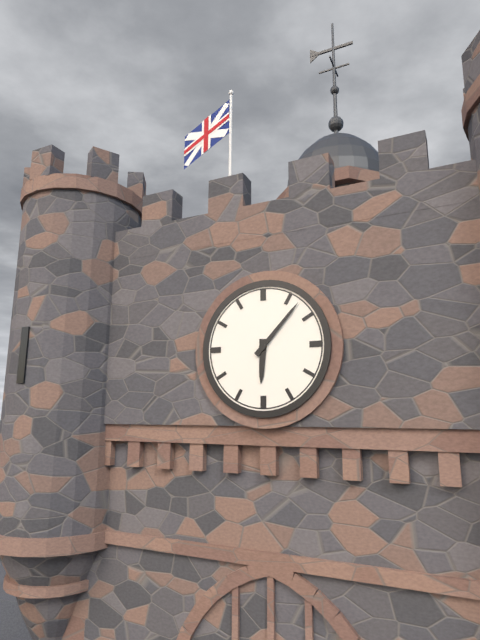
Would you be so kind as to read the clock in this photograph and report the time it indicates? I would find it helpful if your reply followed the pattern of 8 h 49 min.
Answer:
6 h 07 min
